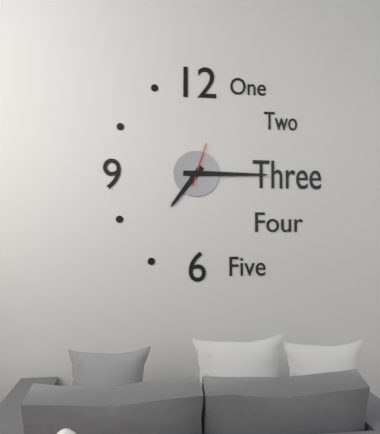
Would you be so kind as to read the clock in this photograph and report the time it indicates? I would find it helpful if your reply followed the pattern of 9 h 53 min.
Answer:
7 h 15 min
